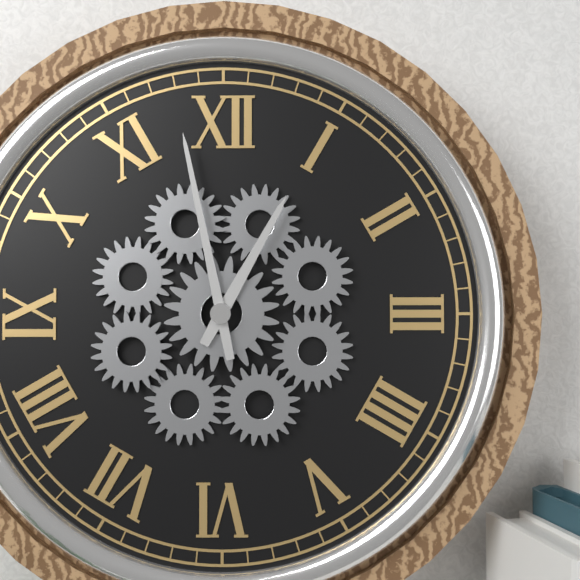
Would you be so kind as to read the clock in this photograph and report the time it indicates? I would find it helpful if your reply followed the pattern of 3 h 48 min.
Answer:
12 h 58 min
